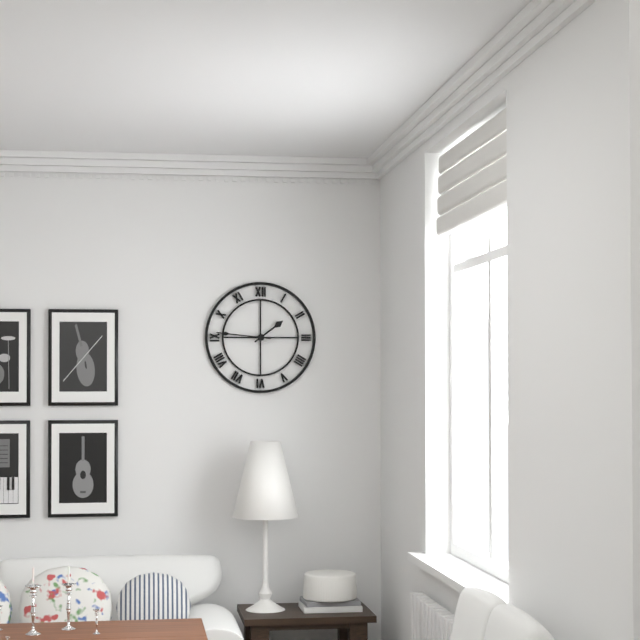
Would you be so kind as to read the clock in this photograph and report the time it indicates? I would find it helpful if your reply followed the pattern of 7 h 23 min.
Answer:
1 h 46 min
